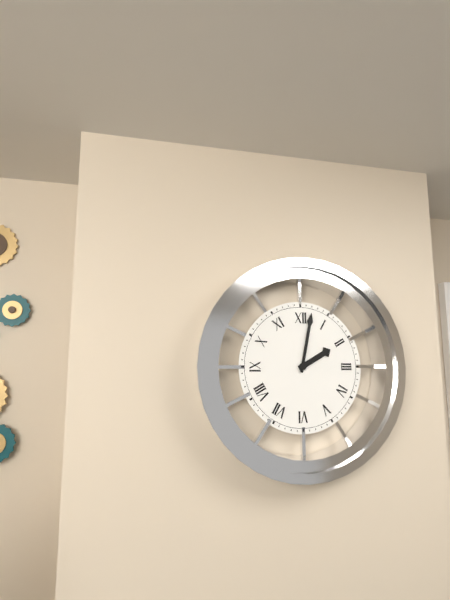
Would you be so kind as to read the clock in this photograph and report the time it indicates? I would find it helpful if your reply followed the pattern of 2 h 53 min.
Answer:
2 h 02 min
